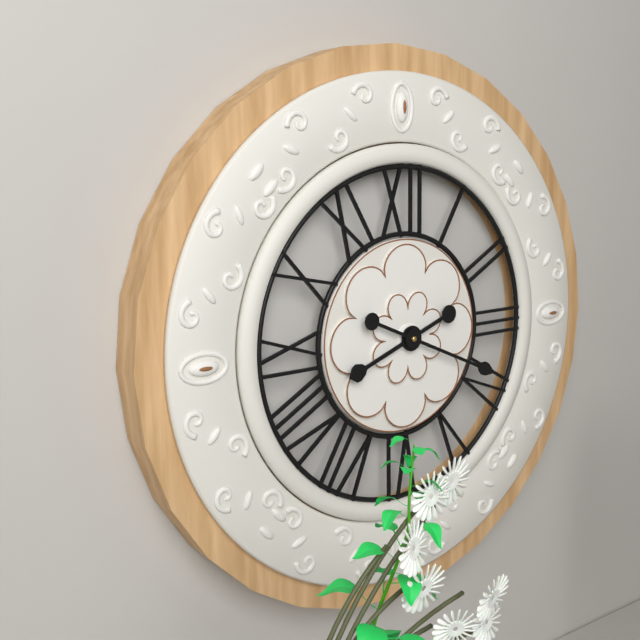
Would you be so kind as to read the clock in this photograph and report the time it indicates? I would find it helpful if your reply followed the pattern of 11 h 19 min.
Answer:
8 h 19 min
